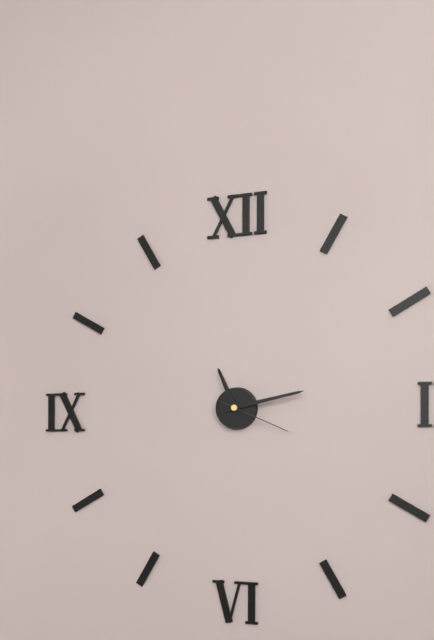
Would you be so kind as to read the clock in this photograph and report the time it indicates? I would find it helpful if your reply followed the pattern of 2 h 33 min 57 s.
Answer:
11 h 13 min 19 s
